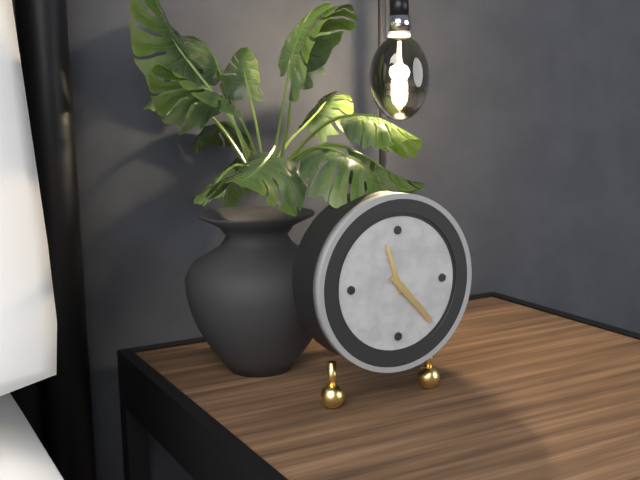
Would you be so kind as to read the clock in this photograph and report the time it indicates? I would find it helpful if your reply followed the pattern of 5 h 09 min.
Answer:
11 h 23 min
